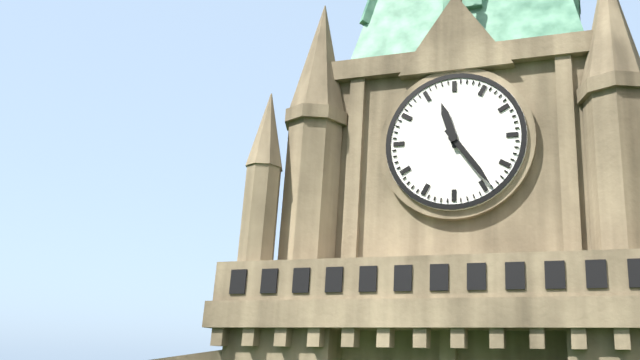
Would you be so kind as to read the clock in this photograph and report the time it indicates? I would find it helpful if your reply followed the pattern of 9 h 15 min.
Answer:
11 h 24 min
